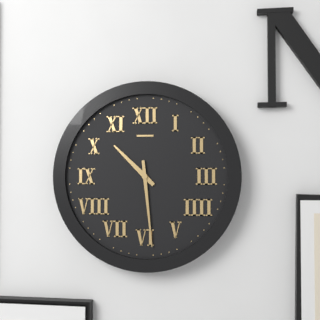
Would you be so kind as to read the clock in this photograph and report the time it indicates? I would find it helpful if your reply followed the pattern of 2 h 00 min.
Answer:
10 h 29 min
